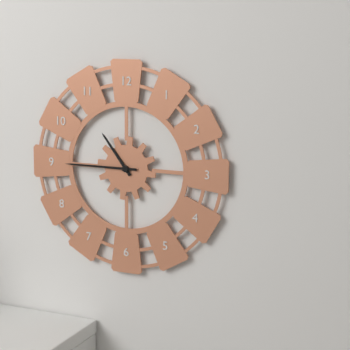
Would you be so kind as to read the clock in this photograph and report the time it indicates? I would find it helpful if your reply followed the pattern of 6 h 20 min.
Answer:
10 h 45 min
